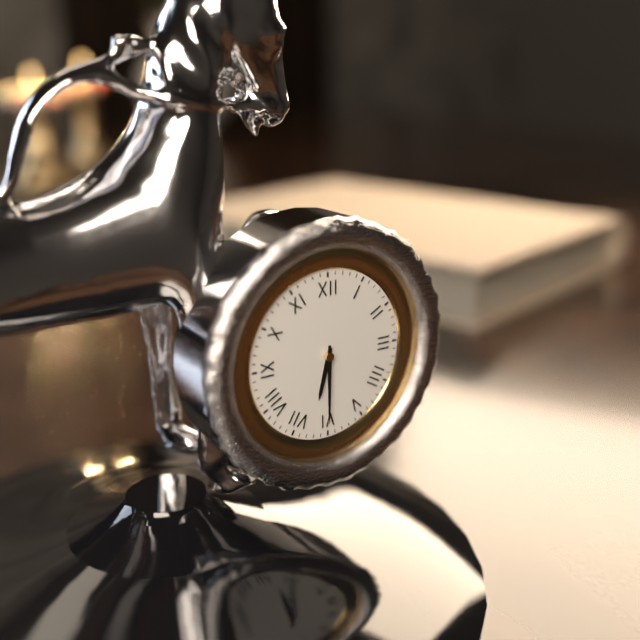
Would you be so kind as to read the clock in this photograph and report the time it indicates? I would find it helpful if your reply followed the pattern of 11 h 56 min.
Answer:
6 h 30 min
